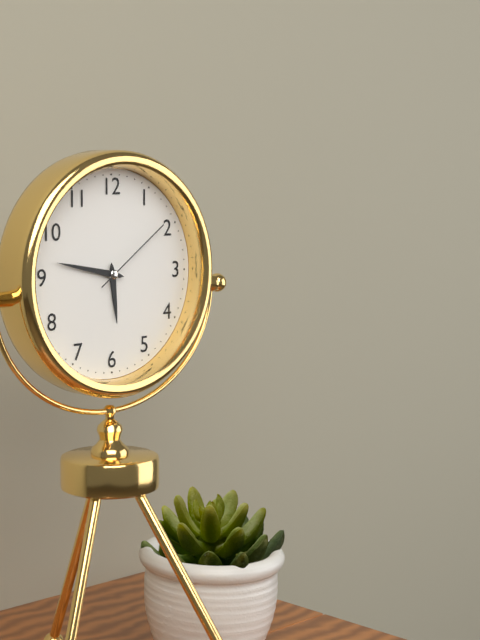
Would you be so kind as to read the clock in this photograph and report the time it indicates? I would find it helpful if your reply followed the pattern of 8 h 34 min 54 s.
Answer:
5 h 47 min 09 s
